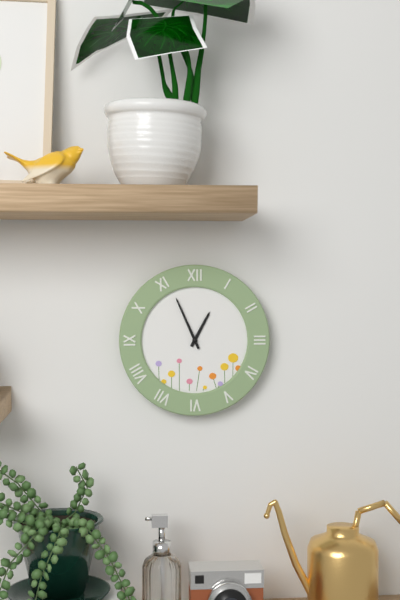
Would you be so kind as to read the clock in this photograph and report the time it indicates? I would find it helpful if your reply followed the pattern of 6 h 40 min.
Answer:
12 h 56 min
